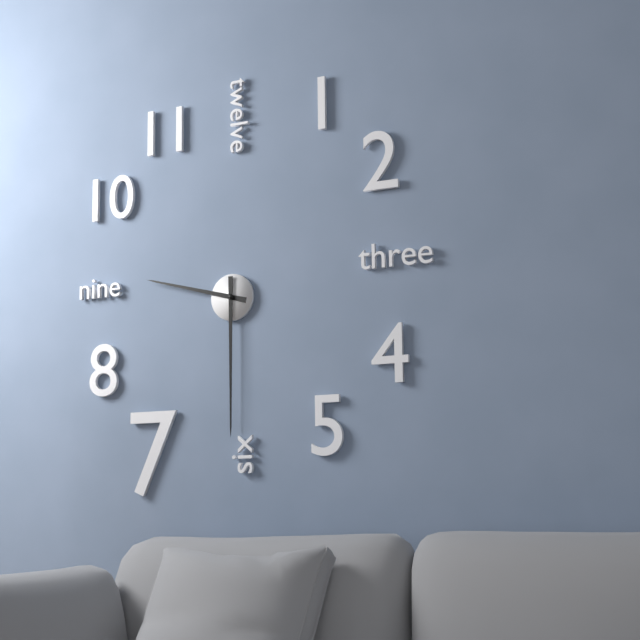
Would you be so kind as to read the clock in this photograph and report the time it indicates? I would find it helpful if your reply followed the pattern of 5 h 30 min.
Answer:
9 h 30 min
